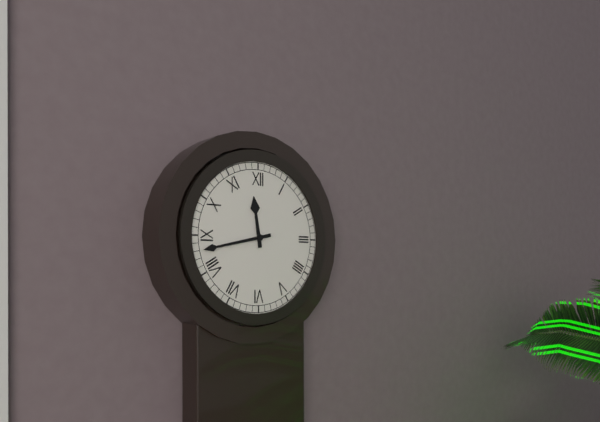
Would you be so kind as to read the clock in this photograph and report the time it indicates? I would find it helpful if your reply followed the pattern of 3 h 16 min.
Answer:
11 h 43 min
